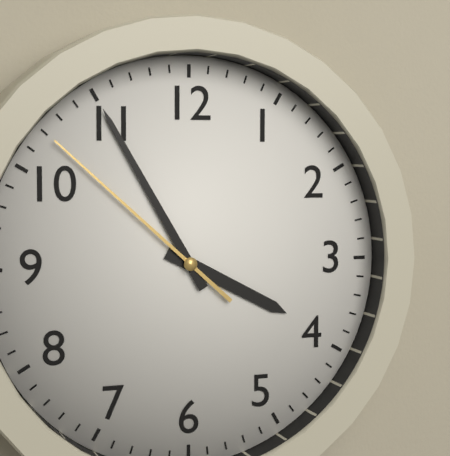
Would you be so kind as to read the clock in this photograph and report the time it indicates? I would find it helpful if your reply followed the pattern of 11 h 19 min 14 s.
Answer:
3 h 55 min 52 s
